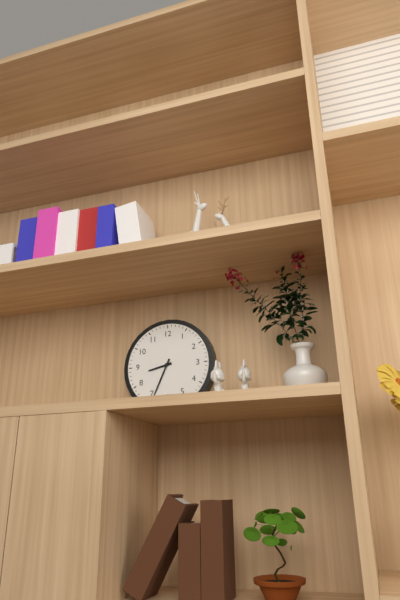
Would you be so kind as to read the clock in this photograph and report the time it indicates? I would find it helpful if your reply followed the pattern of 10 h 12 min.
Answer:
8 h 34 min
